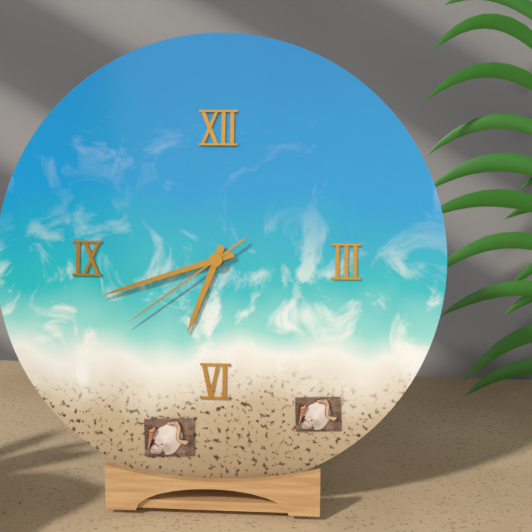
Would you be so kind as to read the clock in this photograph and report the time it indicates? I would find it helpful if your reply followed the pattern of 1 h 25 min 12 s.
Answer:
6 h 42 min 39 s
